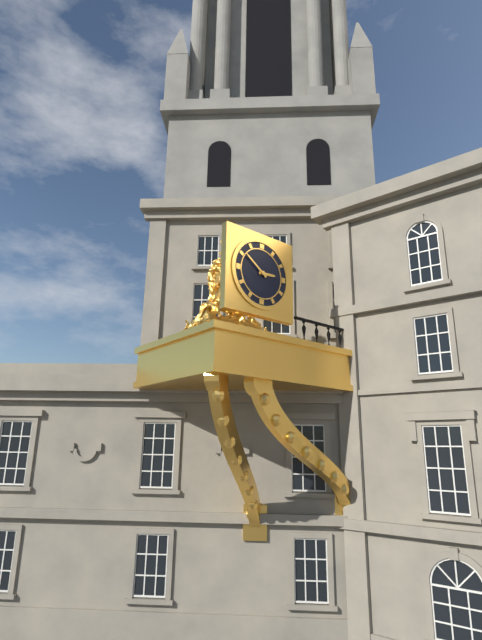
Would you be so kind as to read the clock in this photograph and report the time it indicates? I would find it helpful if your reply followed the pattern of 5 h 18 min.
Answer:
2 h 51 min
